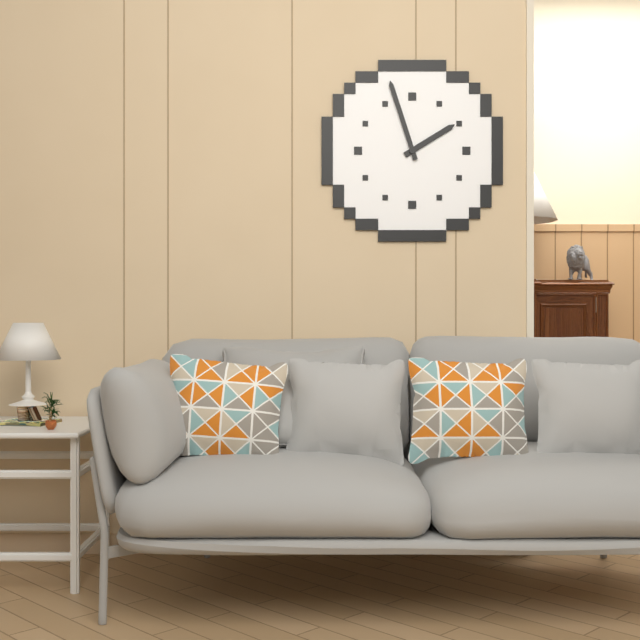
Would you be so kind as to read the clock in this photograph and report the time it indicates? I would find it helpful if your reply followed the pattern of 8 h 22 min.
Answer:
1 h 57 min
